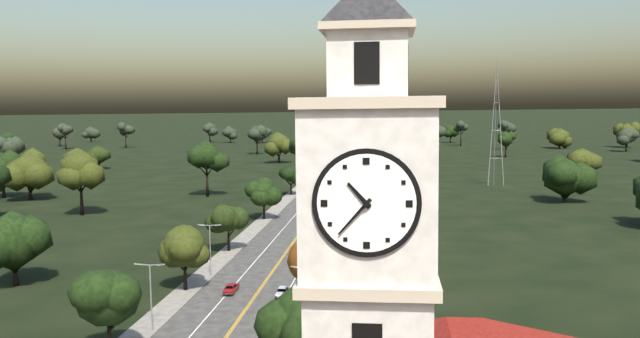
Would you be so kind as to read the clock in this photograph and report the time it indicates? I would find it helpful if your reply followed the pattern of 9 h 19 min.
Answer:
10 h 37 min
